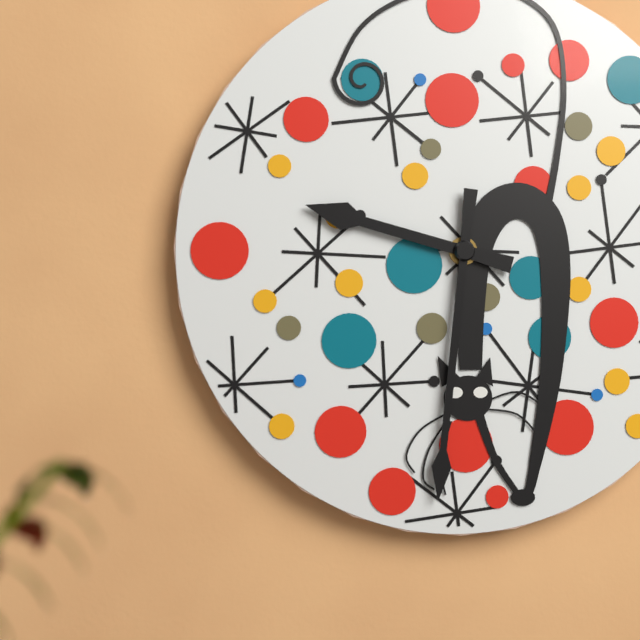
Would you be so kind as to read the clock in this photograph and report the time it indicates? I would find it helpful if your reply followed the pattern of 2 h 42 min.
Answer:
9 h 31 min
